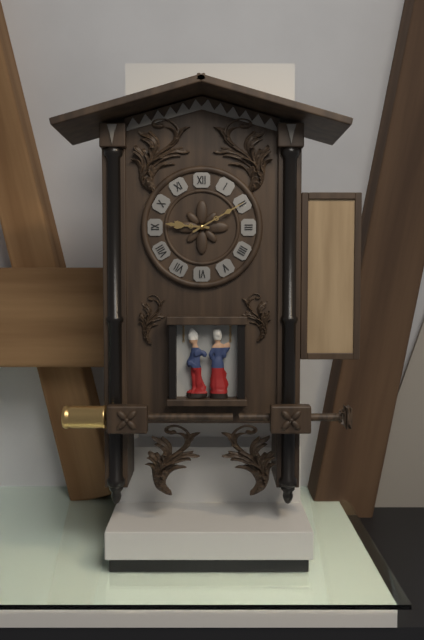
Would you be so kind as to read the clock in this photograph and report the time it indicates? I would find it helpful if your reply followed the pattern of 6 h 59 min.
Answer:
9 h 10 min
